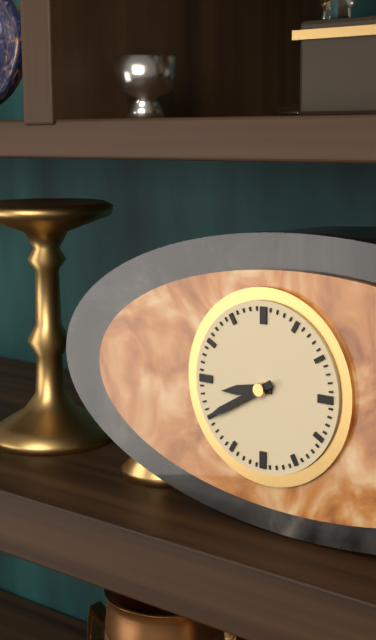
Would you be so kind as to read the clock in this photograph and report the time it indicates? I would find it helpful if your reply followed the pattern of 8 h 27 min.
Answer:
8 h 40 min
